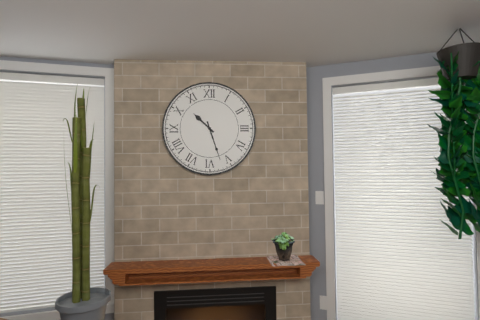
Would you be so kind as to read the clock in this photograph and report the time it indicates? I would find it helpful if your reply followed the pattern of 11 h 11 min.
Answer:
10 h 27 min
